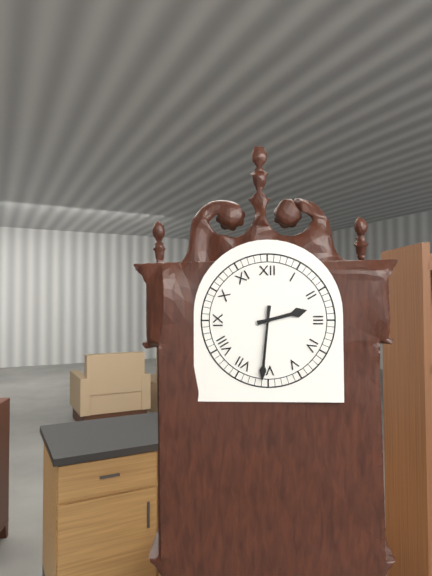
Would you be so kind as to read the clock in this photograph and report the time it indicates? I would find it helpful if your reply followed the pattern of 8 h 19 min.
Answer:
2 h 31 min
